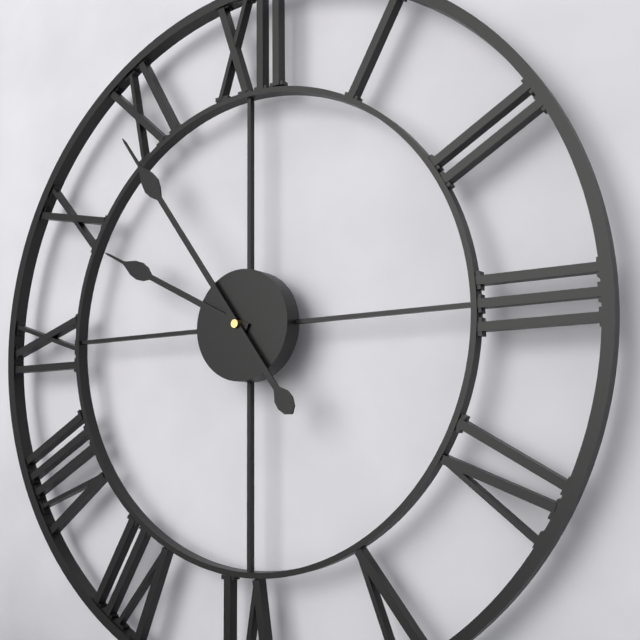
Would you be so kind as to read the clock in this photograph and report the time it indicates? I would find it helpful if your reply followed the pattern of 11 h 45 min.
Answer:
9 h 54 min
